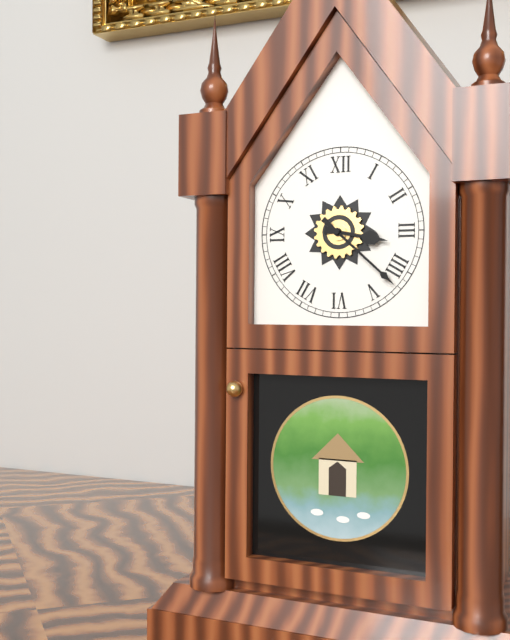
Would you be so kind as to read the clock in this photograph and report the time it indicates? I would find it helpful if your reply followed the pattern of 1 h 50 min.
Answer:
3 h 22 min
